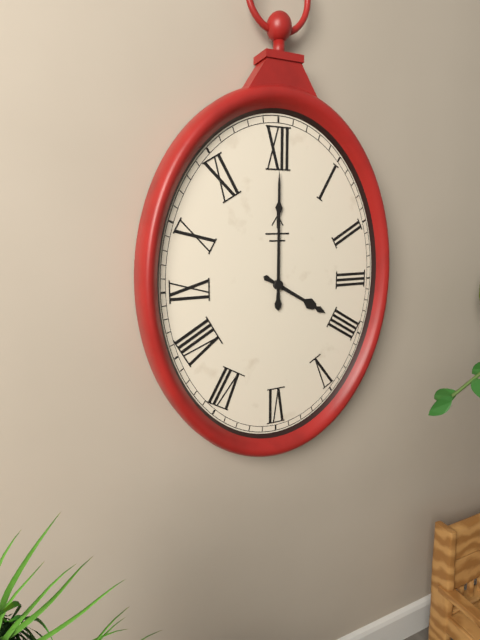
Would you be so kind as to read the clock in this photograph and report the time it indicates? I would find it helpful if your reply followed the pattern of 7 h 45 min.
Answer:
4 h 00 min
